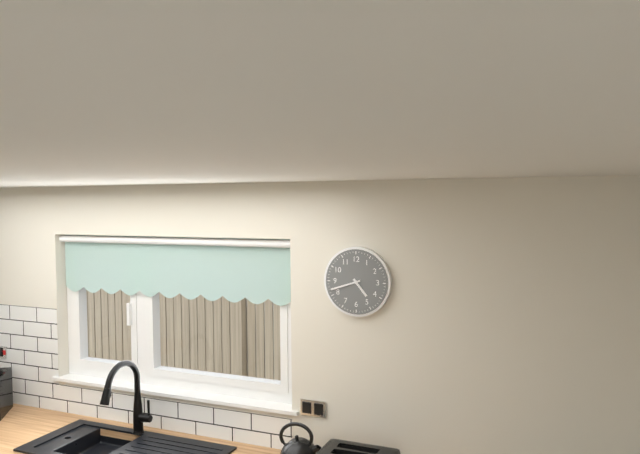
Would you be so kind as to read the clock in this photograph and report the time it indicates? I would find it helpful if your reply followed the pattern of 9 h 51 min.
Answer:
4 h 42 min
